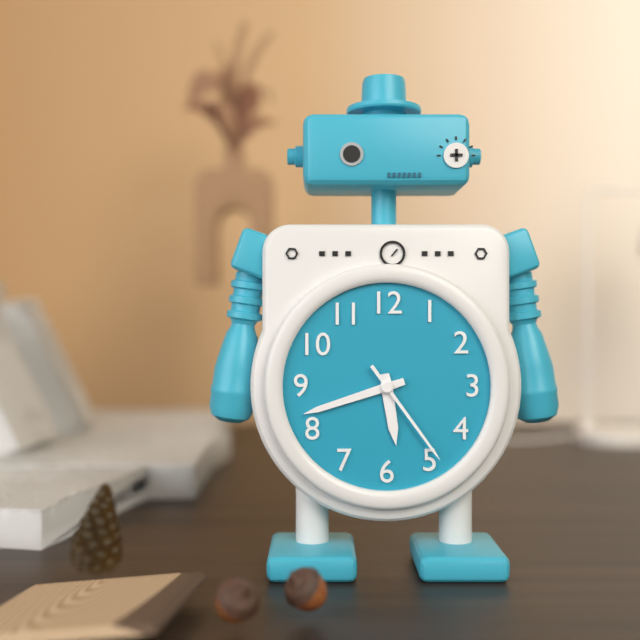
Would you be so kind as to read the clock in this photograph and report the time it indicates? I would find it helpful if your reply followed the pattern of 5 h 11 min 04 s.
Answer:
5 h 42 min 24 s
